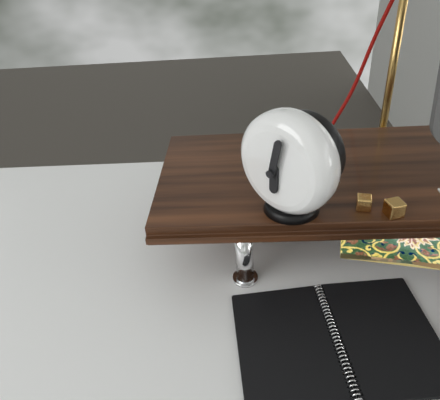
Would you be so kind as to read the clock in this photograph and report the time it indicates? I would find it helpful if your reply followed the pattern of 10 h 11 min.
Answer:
6 h 02 min
